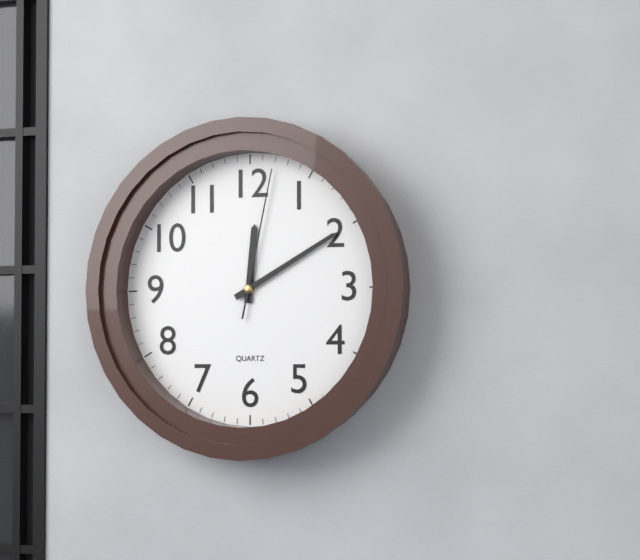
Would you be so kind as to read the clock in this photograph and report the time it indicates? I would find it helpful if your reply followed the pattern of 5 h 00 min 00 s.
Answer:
12 h 10 min 02 s
